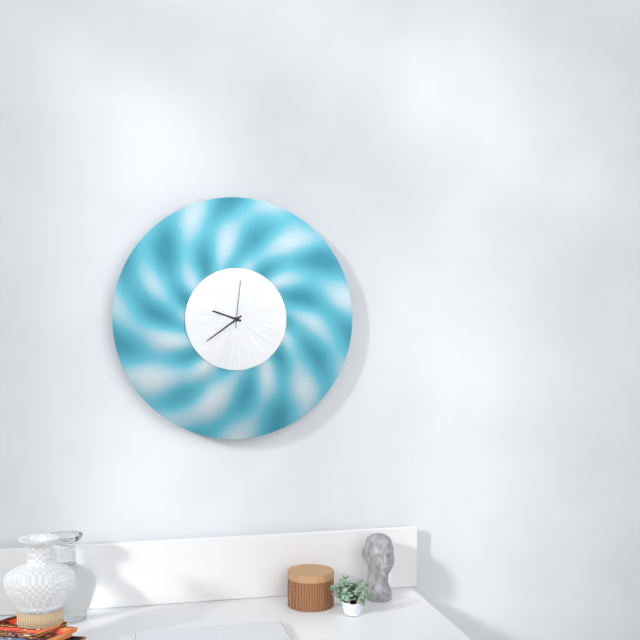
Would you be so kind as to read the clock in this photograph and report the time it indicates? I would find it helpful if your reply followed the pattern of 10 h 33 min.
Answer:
9 h 39 min
